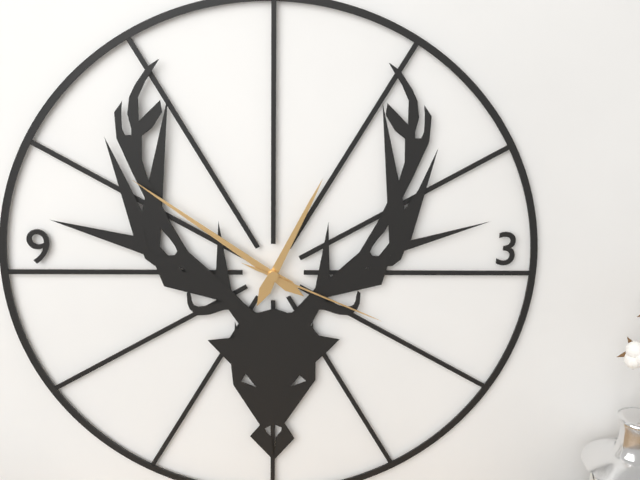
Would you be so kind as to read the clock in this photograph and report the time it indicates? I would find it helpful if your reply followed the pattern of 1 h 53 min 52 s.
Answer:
12 h 51 min 19 s
